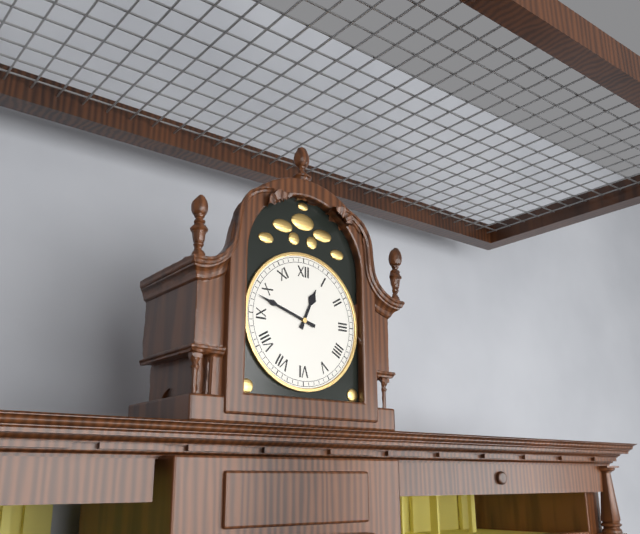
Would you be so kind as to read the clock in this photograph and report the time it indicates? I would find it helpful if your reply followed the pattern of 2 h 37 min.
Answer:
12 h 48 min
